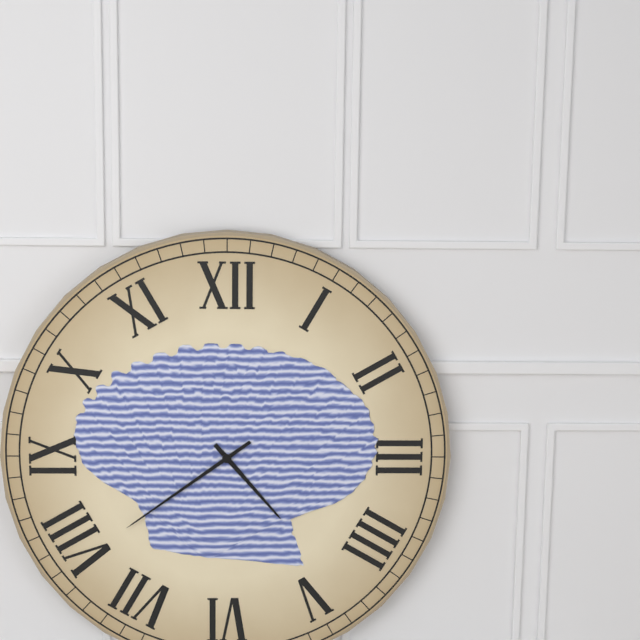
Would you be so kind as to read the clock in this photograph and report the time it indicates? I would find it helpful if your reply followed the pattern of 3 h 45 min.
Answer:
4 h 39 min
